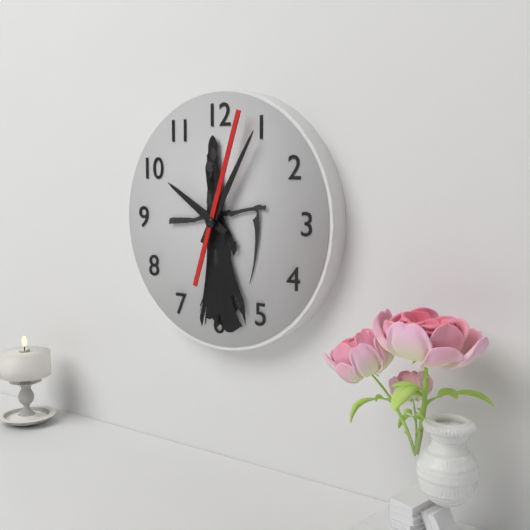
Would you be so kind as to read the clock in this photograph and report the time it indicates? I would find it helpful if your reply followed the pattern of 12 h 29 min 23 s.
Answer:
10 h 05 min 03 s
